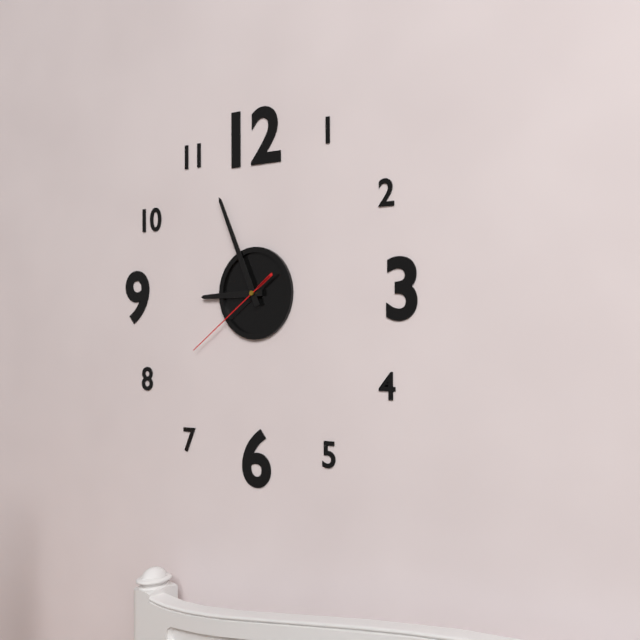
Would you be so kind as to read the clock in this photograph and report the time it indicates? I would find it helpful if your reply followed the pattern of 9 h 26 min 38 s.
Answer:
8 h 56 min 39 s
